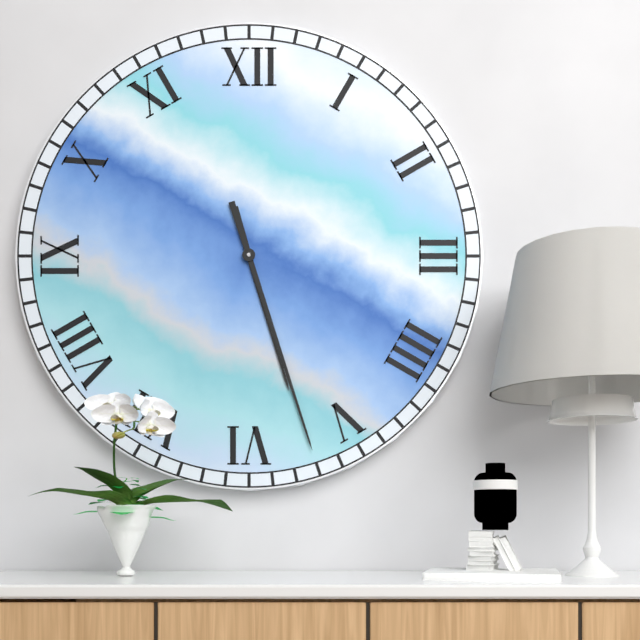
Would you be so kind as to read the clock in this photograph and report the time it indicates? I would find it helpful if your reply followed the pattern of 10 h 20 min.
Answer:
5 h 27 min
